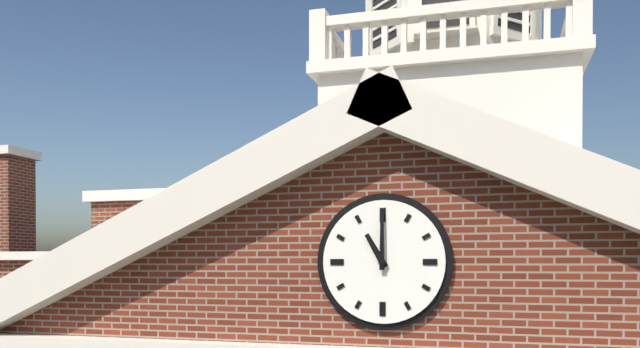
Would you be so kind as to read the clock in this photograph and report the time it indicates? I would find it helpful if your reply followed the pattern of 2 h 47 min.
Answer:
11 h 00 min
